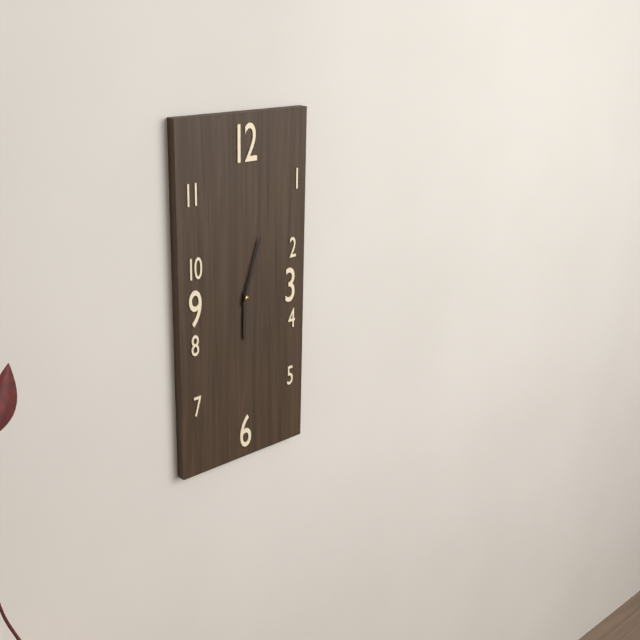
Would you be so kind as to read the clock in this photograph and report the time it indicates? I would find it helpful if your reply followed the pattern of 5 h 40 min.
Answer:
6 h 03 min
